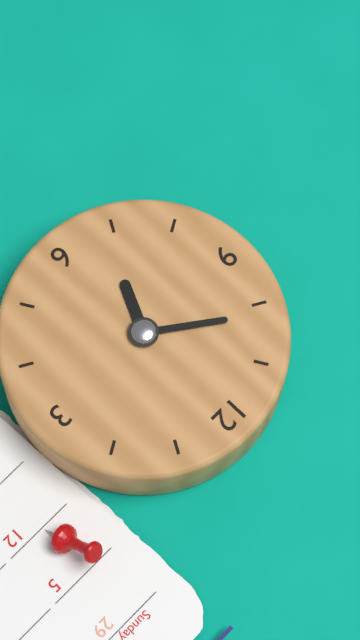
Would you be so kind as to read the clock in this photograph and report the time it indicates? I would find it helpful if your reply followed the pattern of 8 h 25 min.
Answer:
6 h 51 min
